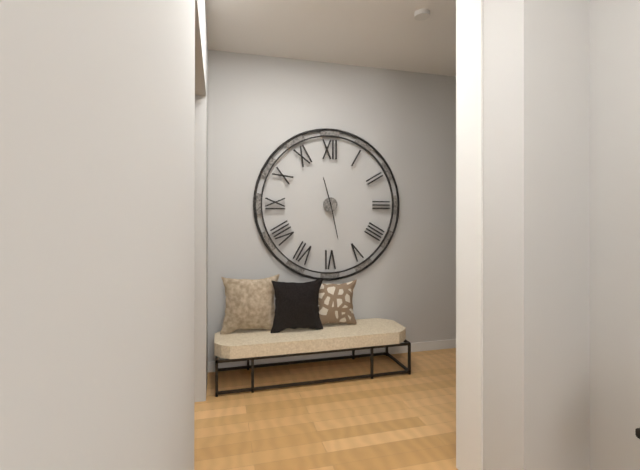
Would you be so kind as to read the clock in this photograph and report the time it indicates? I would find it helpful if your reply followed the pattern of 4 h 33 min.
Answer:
11 h 28 min
